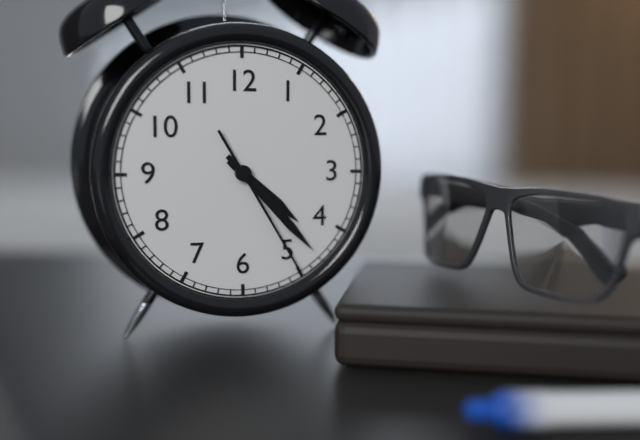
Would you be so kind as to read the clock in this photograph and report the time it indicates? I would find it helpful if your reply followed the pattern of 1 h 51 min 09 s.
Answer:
4 h 23 min 25 s
